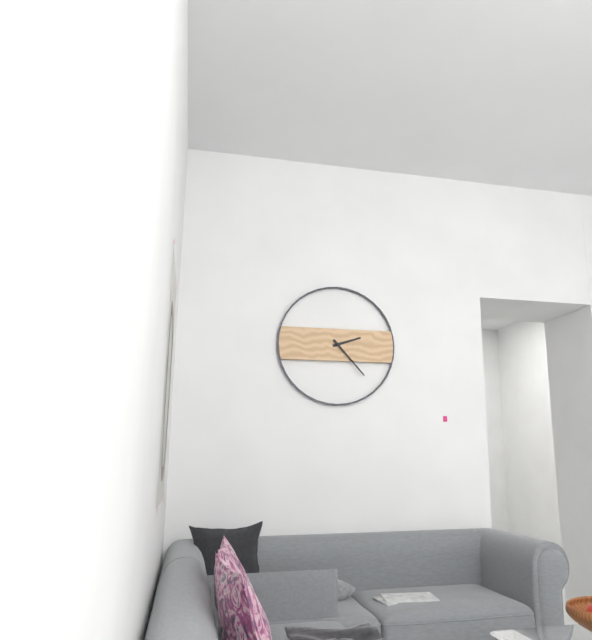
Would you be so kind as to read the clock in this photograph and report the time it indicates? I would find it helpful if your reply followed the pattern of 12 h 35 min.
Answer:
2 h 23 min
